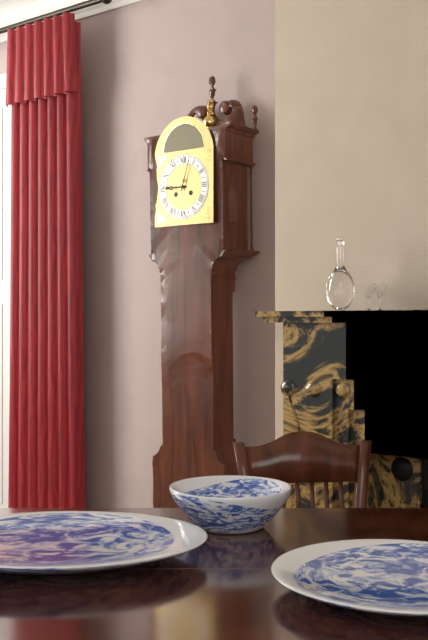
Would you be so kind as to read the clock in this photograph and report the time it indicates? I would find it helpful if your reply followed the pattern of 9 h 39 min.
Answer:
9 h 03 min
